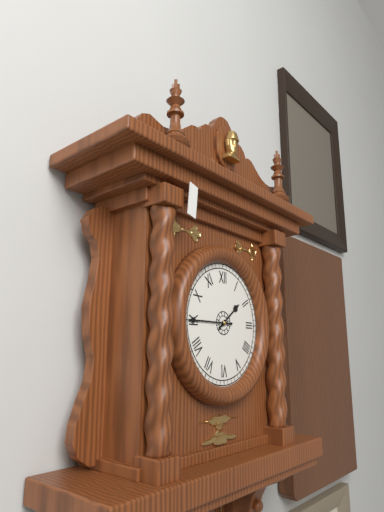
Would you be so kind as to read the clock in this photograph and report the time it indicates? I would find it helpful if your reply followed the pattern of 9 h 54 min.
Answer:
1 h 45 min
